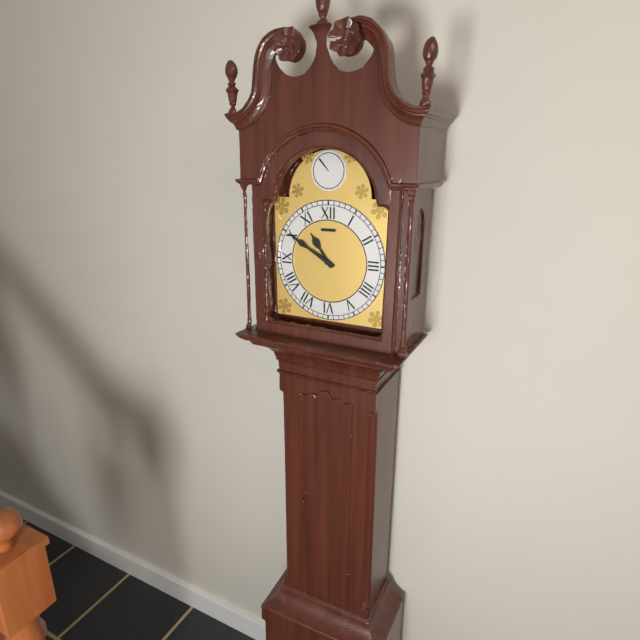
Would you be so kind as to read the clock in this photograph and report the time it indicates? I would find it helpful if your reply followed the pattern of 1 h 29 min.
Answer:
10 h 50 min
